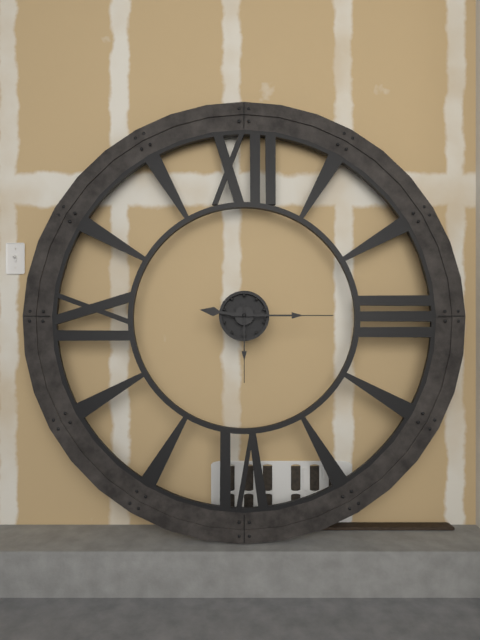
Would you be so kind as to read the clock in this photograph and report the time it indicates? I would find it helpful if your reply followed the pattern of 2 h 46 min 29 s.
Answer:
9 h 15 min 30 s
